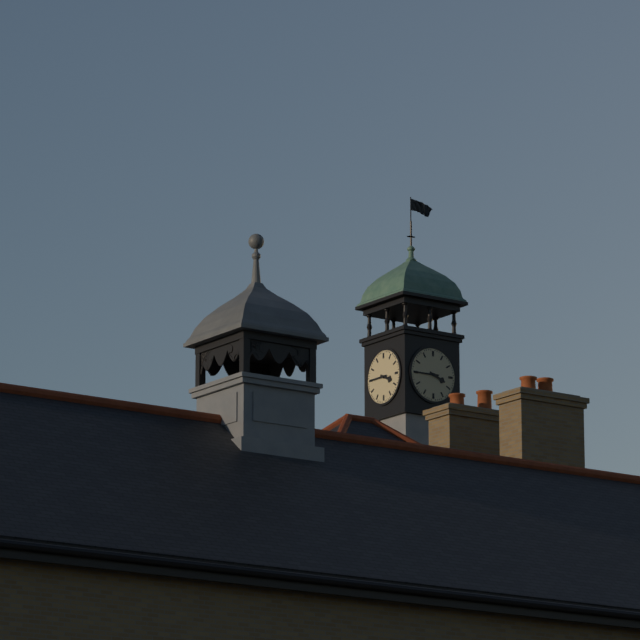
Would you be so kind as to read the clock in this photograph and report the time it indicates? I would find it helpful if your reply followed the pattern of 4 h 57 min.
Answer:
3 h 45 min
